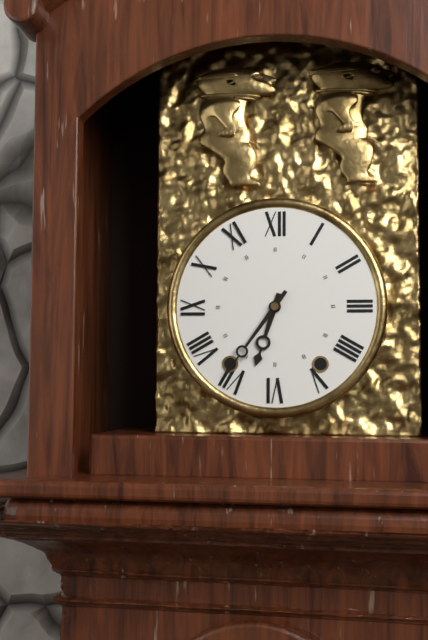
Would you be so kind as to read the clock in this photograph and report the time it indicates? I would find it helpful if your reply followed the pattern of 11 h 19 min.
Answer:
6 h 36 min
